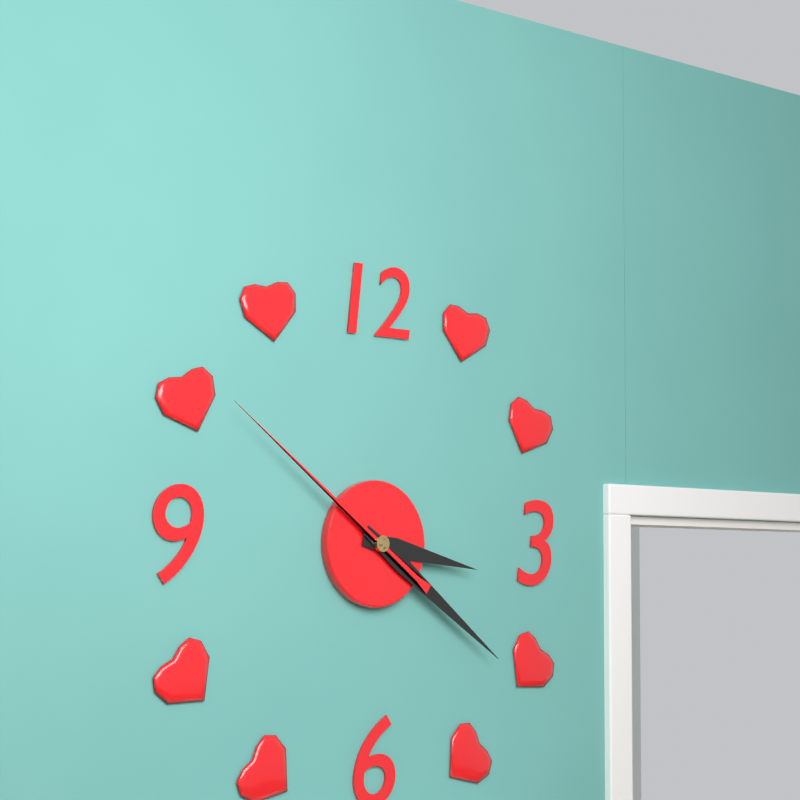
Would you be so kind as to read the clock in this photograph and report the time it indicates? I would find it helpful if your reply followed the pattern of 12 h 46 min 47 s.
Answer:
3 h 21 min 51 s
